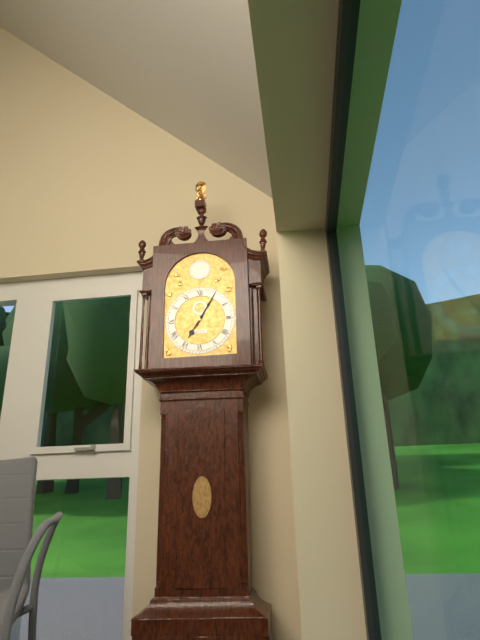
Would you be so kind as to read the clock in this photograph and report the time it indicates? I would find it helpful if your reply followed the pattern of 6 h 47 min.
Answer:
7 h 05 min
